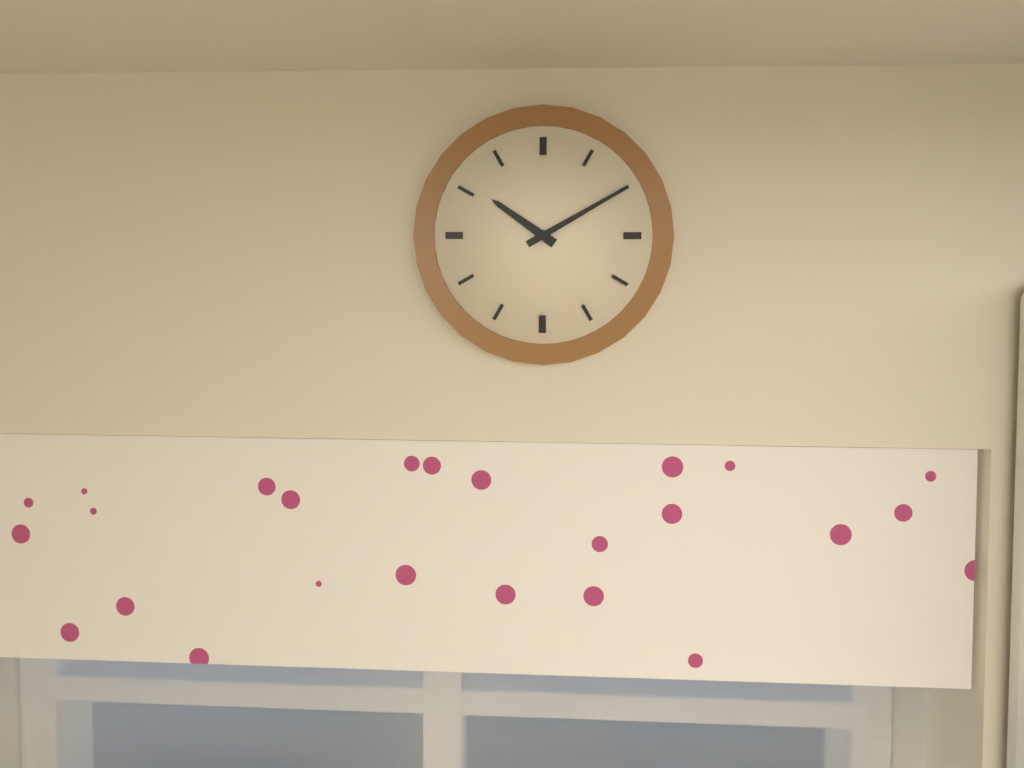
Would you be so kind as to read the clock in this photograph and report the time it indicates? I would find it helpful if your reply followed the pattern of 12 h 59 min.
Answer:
10 h 10 min
